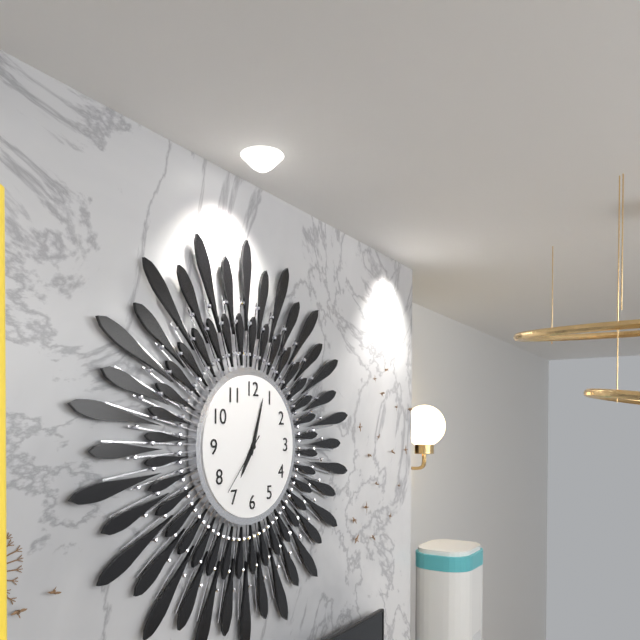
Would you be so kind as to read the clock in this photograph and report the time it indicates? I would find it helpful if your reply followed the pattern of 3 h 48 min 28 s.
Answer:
7 h 03 min 37 s
